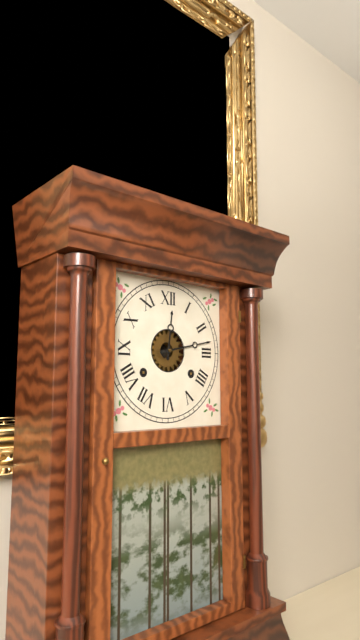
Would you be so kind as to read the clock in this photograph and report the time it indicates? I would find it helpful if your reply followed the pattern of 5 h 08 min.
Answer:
12 h 13 min
